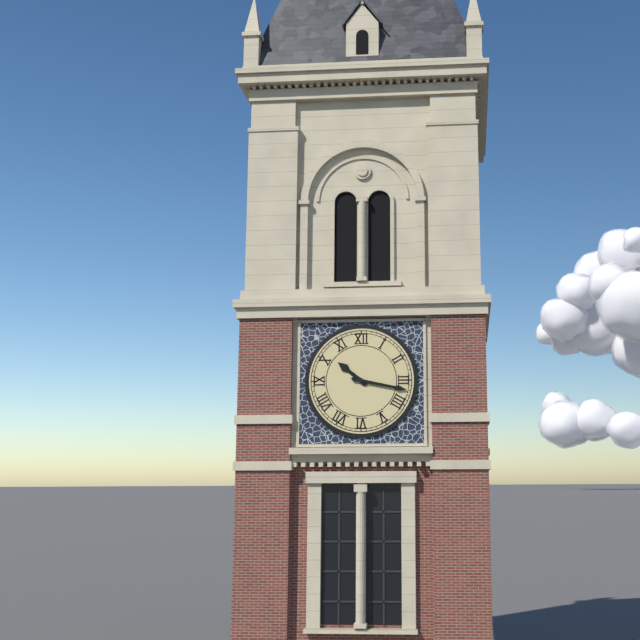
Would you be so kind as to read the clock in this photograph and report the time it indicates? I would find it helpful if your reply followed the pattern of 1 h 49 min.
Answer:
10 h 17 min
